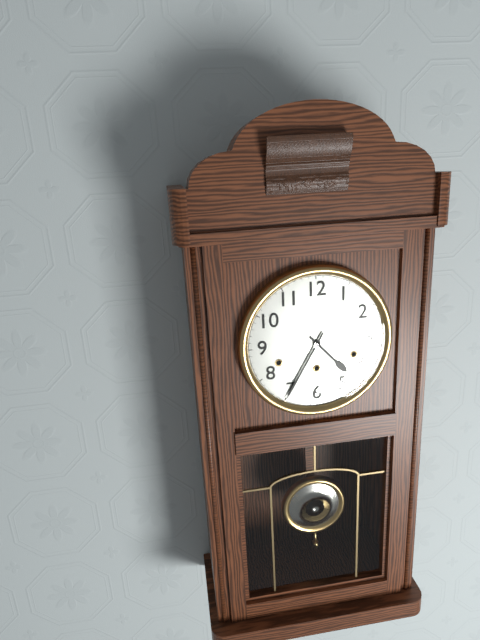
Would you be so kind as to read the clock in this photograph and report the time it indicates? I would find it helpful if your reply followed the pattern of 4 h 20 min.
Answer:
4 h 35 min
